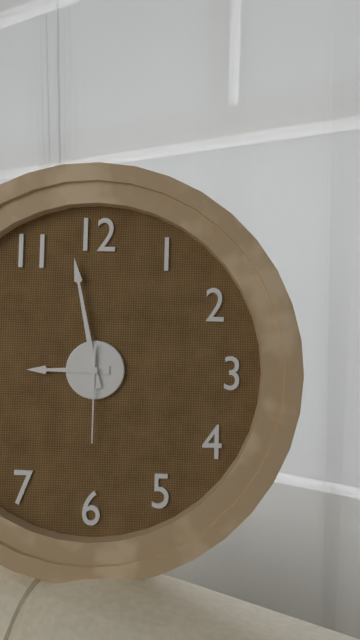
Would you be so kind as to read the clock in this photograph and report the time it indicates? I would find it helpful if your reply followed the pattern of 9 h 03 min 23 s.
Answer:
8 h 58 min 30 s
